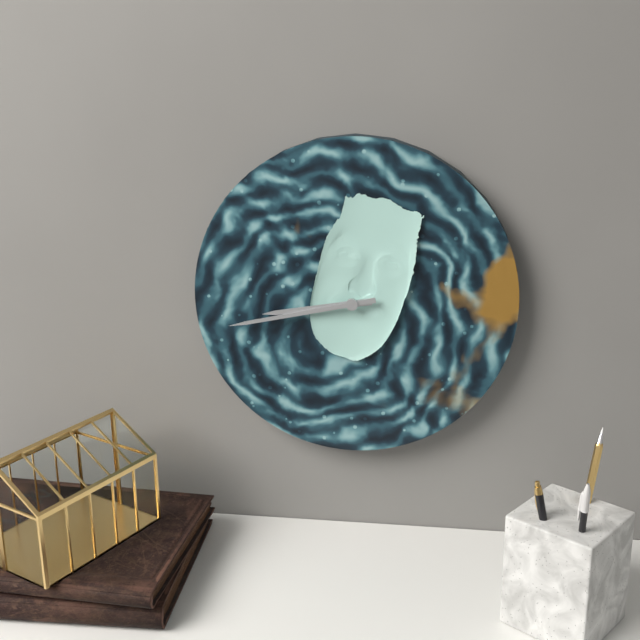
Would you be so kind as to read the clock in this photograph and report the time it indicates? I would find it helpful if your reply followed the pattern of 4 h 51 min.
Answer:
8 h 43 min
